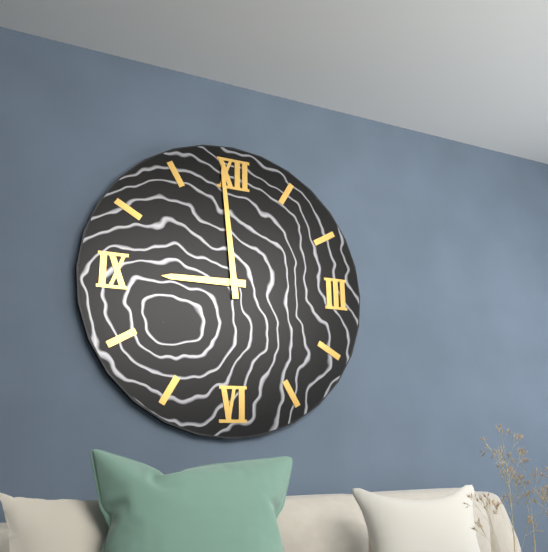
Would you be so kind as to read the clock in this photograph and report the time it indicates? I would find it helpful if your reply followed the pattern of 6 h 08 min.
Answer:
8 h 59 min
